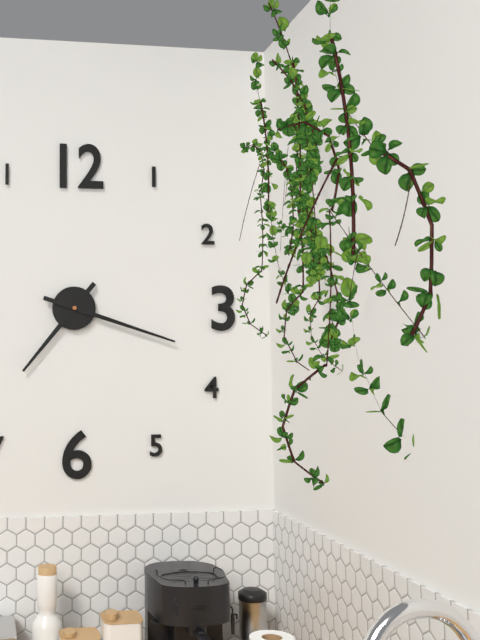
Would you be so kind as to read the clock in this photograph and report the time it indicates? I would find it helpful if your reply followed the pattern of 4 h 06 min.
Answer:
7 h 18 min
